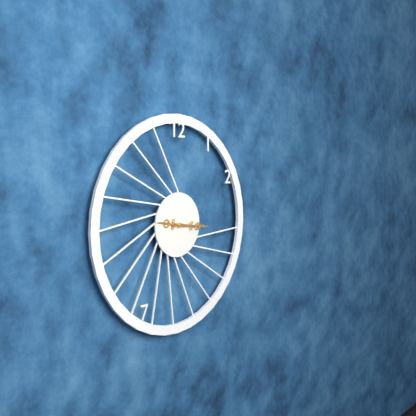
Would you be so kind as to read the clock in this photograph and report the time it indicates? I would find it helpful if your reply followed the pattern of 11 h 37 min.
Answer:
9 h 16 min
